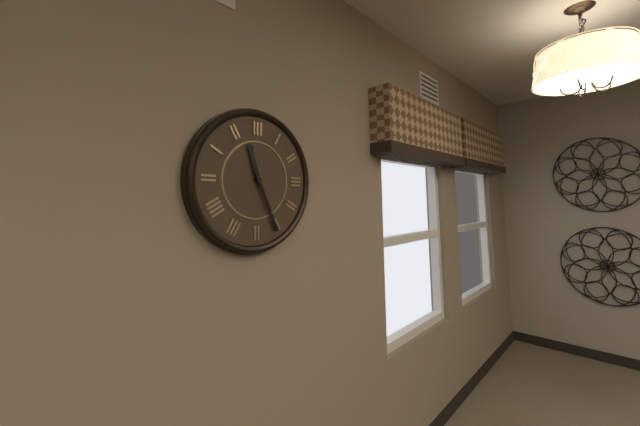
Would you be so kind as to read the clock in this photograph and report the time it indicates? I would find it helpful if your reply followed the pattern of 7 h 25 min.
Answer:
11 h 26 min
